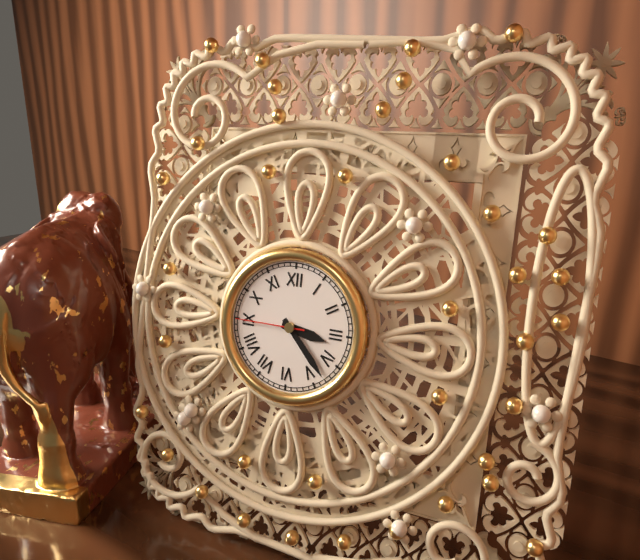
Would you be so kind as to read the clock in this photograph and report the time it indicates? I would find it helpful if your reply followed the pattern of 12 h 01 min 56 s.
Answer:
3 h 23 min 45 s
